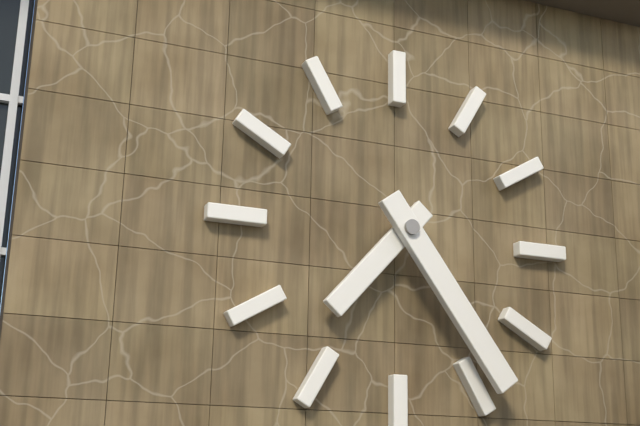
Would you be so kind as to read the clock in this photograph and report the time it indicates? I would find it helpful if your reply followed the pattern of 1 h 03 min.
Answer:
7 h 24 min
